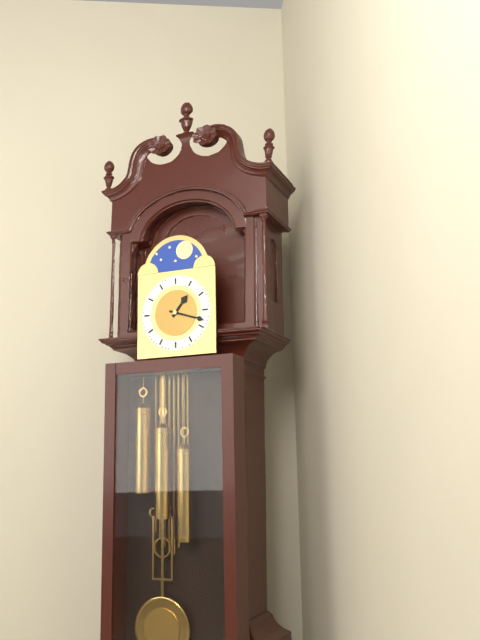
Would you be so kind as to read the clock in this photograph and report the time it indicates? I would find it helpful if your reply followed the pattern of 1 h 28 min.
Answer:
1 h 18 min
